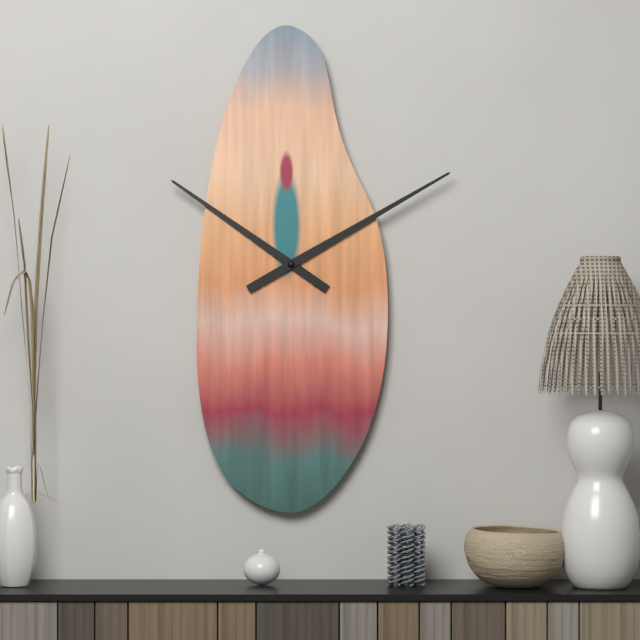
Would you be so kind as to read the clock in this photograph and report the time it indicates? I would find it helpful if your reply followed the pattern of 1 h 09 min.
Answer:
10 h 10 min
